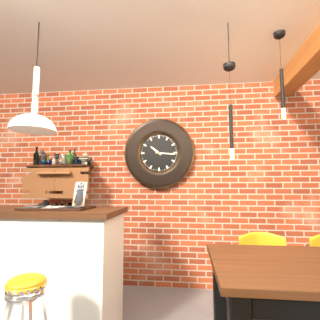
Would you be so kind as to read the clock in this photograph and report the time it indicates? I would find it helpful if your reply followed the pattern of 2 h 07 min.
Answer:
10 h 16 min
